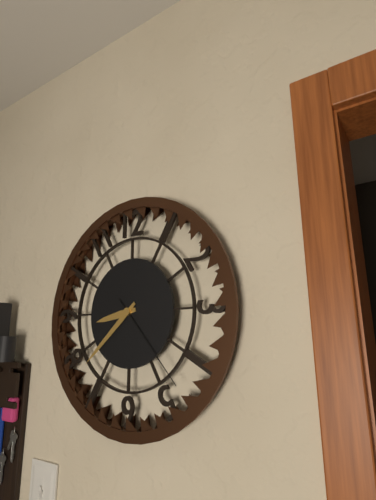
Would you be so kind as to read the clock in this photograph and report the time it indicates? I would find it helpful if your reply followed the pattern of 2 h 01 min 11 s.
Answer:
8 h 38 min 23 s
